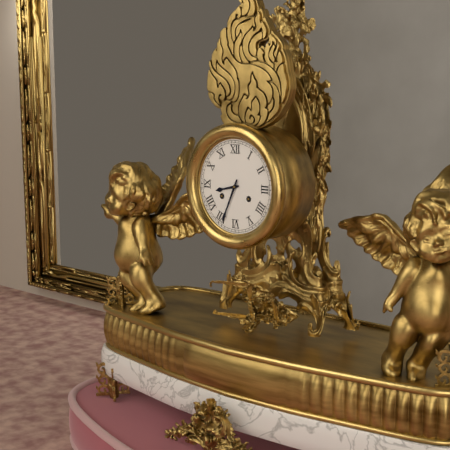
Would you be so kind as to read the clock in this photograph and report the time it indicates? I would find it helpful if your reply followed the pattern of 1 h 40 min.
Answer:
8 h 34 min
